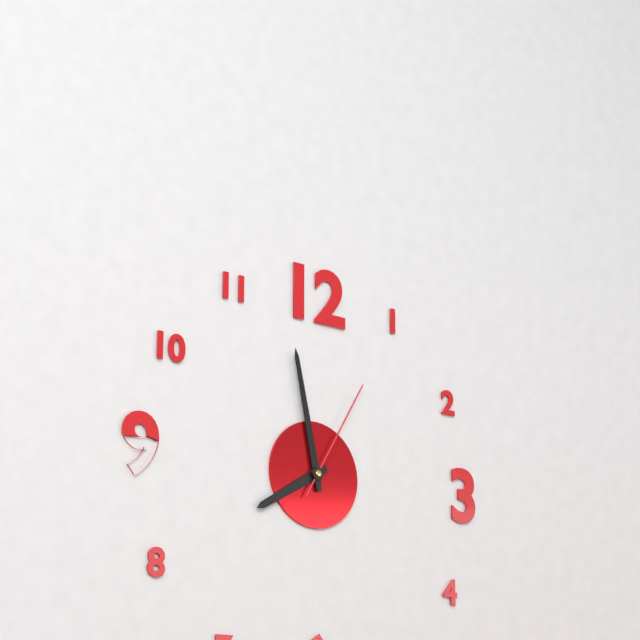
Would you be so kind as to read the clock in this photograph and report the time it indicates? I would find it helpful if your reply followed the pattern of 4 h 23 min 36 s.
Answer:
7 h 58 min 05 s
